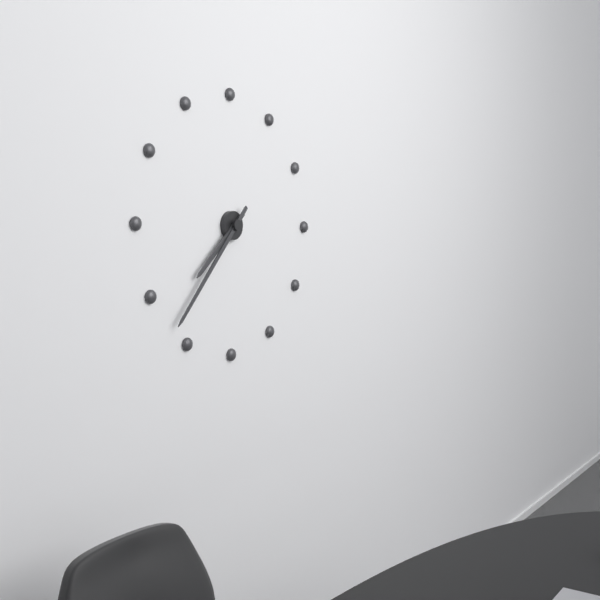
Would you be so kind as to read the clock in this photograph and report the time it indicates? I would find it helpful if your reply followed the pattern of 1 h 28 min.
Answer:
7 h 37 min
